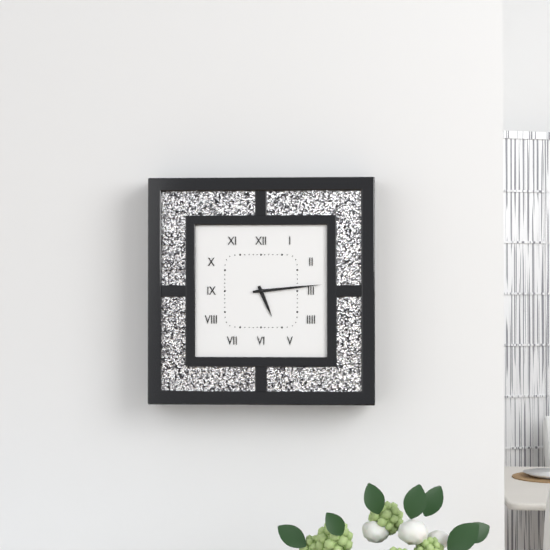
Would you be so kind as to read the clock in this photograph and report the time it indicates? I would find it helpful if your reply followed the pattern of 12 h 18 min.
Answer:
5 h 14 min
